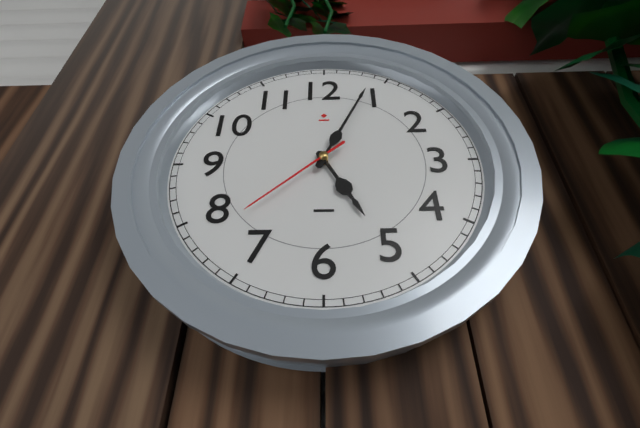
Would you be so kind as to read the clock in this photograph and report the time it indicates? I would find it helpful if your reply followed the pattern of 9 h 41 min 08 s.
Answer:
5 h 04 min 38 s
